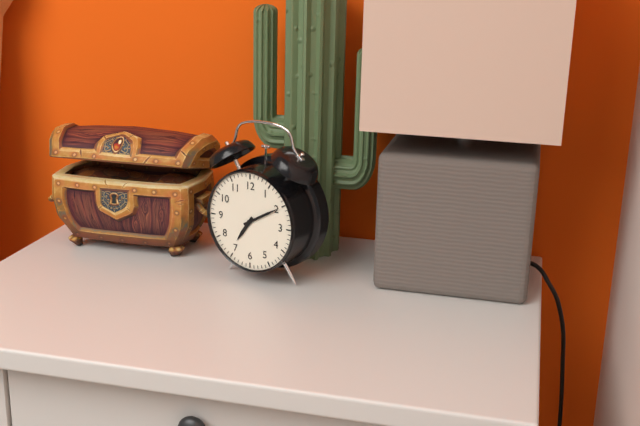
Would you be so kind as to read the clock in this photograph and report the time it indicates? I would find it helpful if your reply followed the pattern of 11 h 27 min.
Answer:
7 h 10 min
